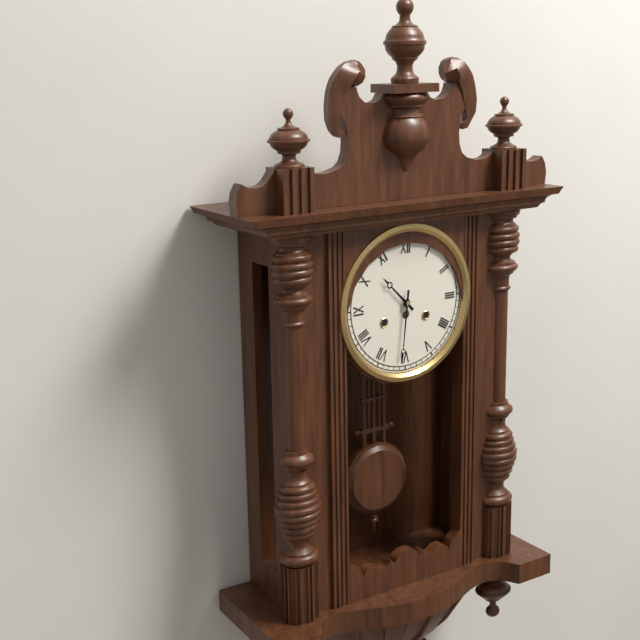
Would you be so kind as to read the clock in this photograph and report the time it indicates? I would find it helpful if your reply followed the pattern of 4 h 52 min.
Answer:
10 h 31 min
